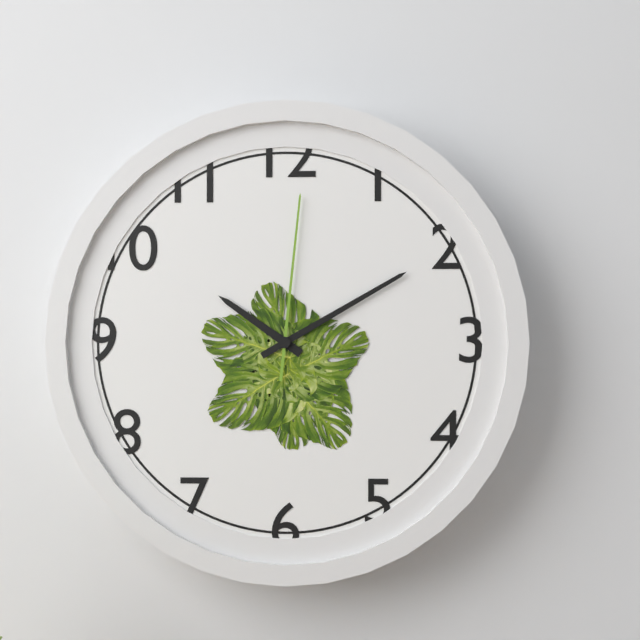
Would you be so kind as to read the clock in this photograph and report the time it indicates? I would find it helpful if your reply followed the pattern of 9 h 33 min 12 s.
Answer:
10 h 10 min 01 s
